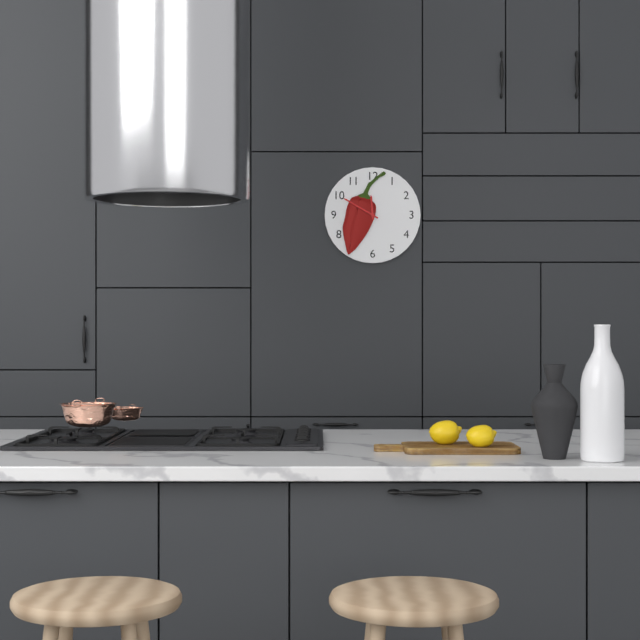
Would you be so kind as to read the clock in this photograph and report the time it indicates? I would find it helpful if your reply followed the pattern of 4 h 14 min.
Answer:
11 h 50 min
